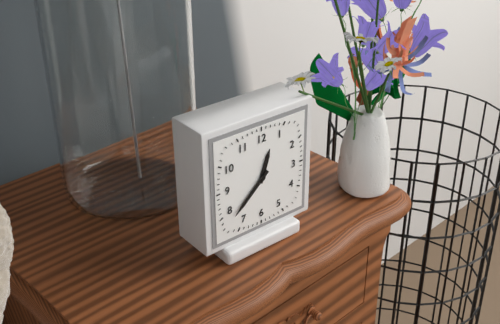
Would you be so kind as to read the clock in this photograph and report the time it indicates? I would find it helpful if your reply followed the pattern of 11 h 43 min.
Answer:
12 h 38 min
